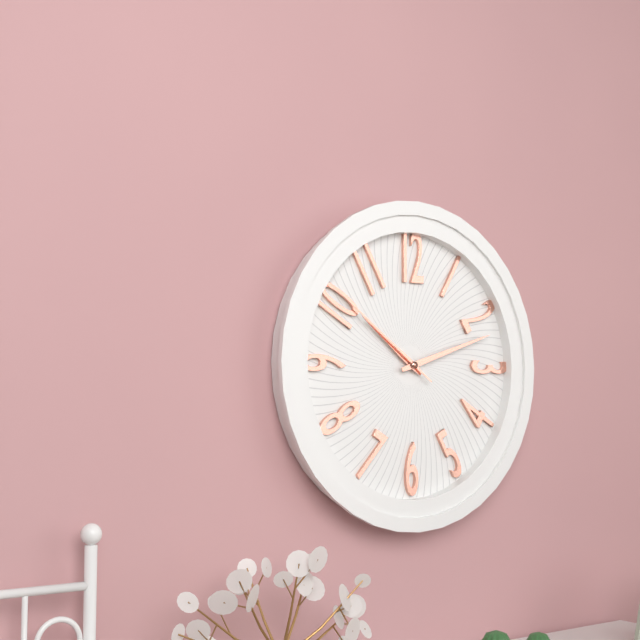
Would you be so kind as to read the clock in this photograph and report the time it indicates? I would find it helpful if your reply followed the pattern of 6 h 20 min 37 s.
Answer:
10 h 12 min 51 s
